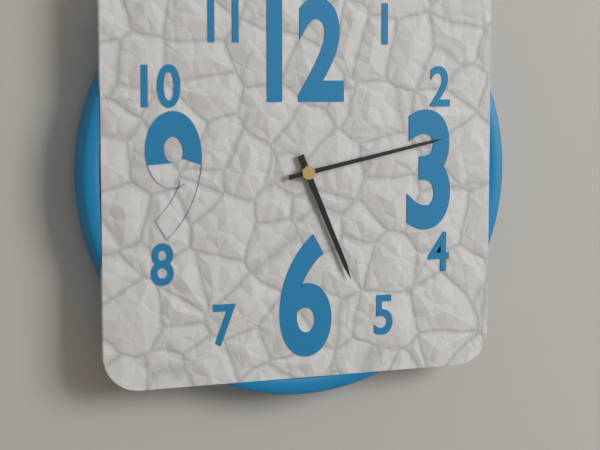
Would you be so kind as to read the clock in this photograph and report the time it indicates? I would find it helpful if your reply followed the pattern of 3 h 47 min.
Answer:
5 h 13 min
